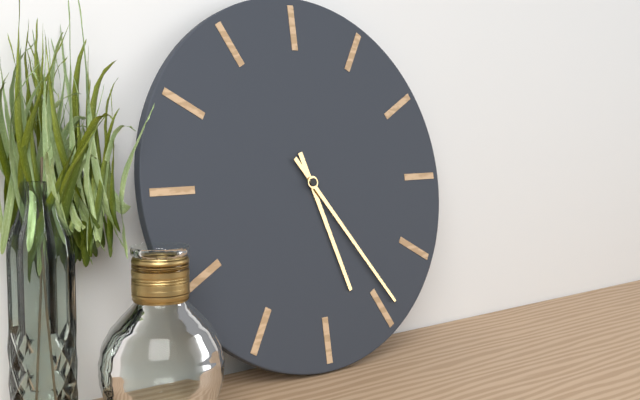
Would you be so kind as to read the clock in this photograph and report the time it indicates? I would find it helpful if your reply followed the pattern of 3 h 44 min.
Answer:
5 h 24 min
